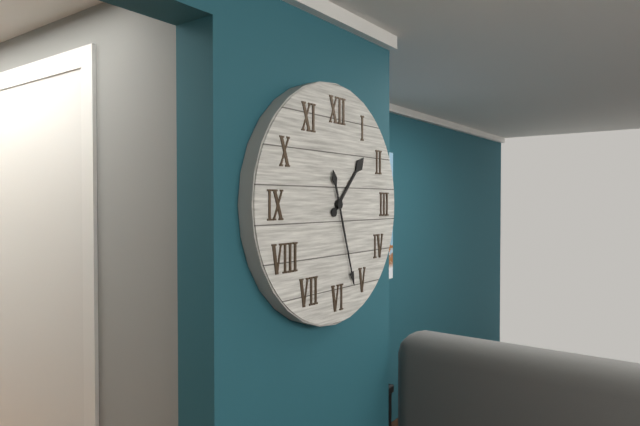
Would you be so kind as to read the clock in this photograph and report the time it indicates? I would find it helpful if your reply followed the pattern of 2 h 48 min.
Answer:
1 h 27 min
